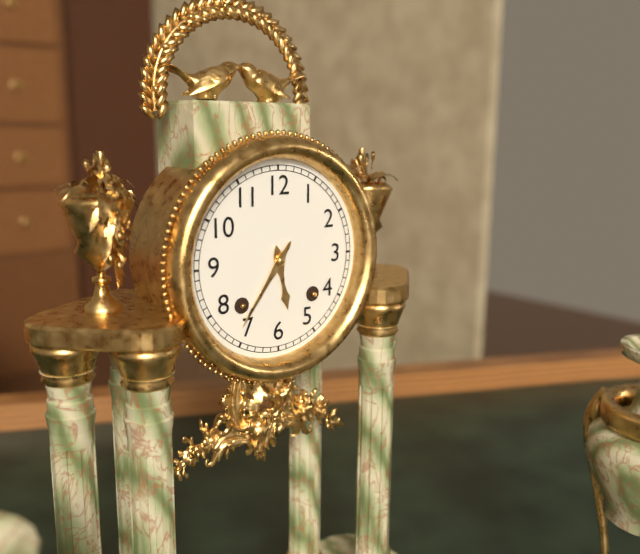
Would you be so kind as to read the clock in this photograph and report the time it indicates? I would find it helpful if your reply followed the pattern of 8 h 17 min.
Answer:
5 h 36 min
